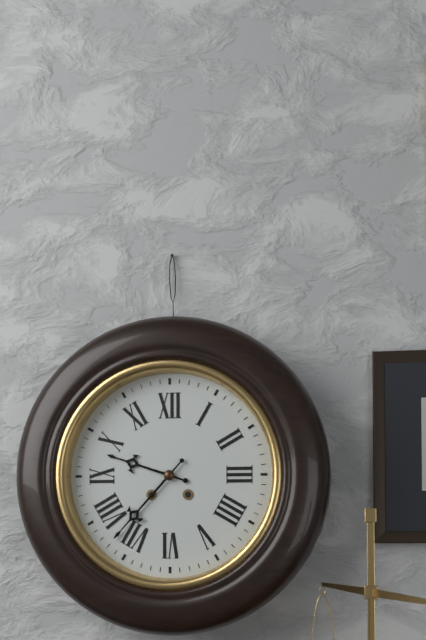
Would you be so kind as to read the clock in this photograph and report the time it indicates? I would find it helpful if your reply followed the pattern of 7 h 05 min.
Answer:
9 h 37 min
